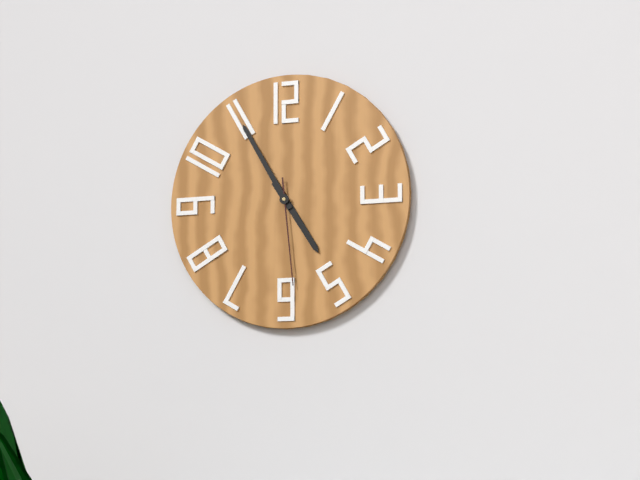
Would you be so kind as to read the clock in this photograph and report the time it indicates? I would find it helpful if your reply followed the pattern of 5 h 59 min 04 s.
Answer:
4 h 55 min 29 s
